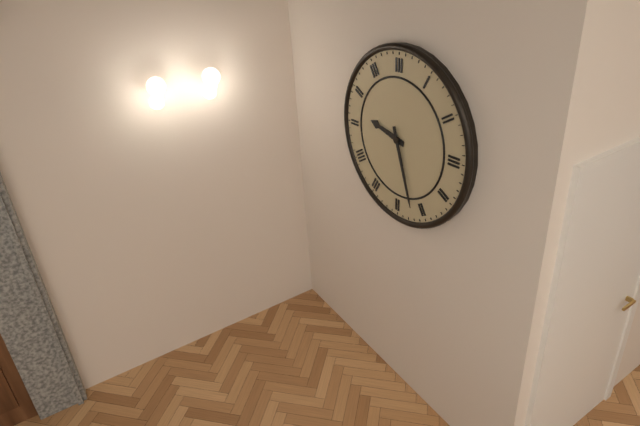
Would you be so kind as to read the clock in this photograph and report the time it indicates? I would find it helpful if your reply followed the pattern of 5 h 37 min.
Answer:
9 h 27 min
